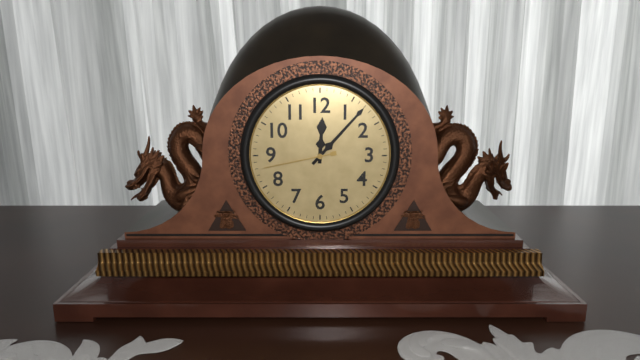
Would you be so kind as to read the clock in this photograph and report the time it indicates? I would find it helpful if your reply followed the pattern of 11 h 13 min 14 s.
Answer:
12 h 07 min 43 s
